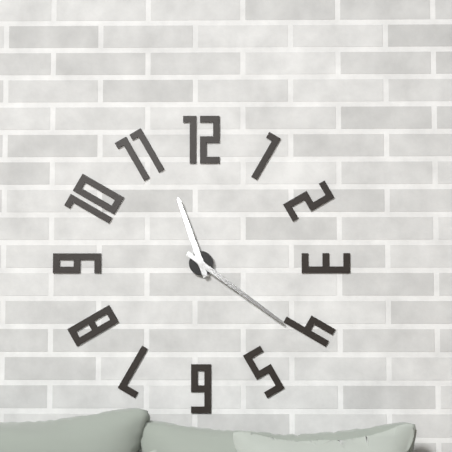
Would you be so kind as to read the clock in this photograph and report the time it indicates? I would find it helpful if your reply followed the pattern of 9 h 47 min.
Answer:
11 h 21 min
